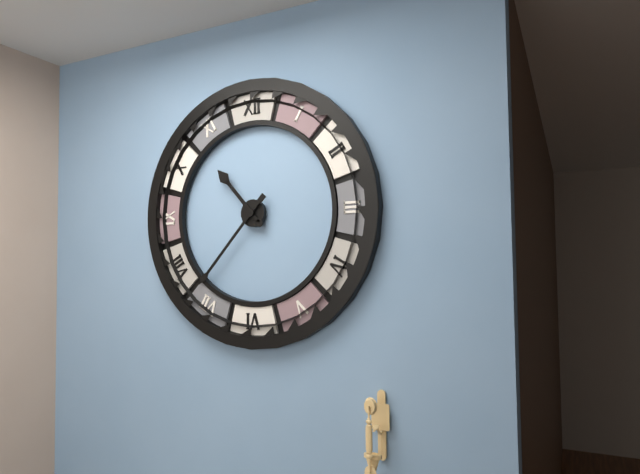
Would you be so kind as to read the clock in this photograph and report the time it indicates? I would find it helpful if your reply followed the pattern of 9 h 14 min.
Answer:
10 h 37 min
